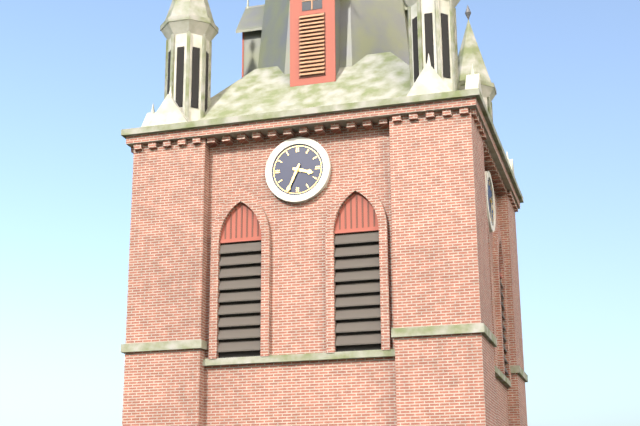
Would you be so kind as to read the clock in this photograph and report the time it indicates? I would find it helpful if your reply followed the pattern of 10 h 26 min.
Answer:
3 h 34 min
